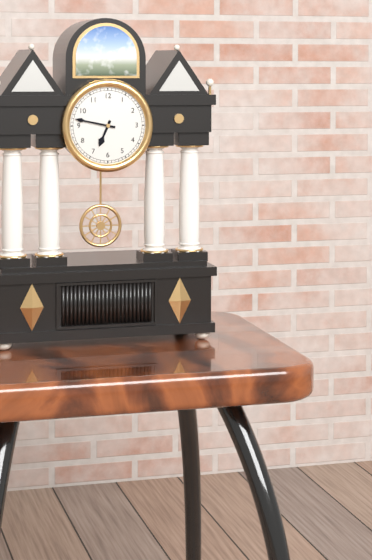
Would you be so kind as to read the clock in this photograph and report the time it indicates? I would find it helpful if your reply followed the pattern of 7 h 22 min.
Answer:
6 h 47 min
